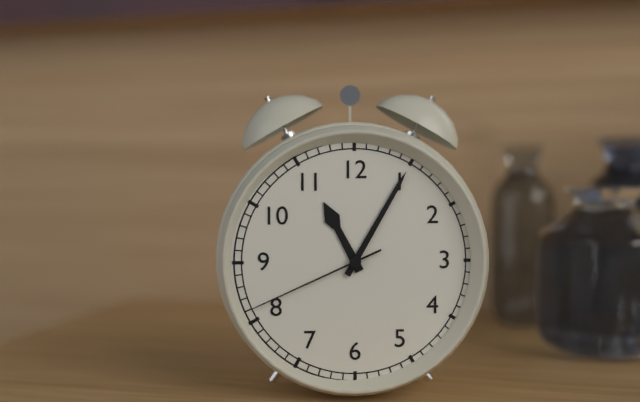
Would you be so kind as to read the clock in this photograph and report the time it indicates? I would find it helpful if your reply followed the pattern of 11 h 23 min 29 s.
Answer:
11 h 05 min 41 s
